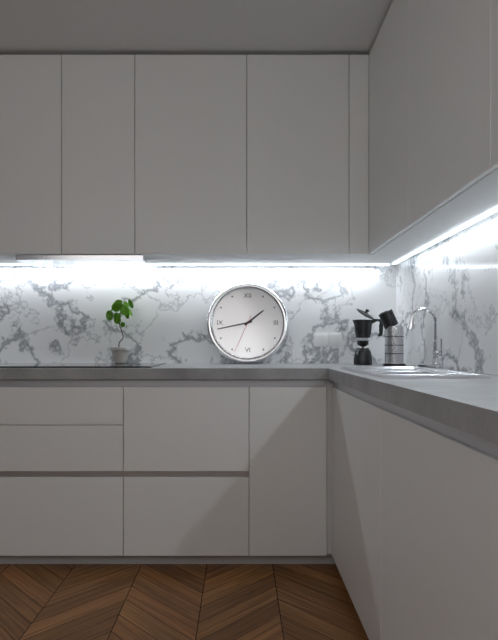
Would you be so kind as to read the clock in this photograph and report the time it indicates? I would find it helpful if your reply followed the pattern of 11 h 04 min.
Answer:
1 h 43 min
